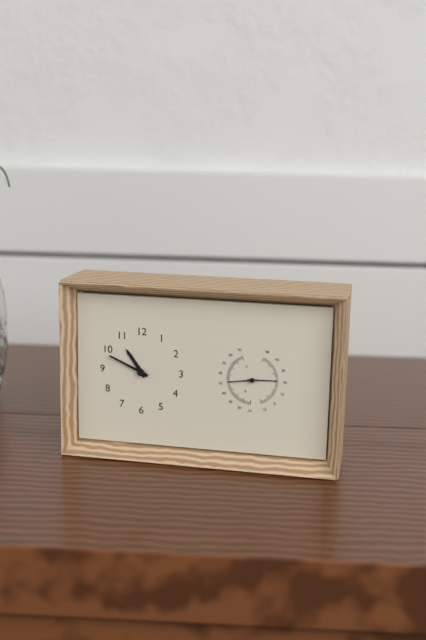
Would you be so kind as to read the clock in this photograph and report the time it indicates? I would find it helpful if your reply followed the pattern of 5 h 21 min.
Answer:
10 h 49 min
